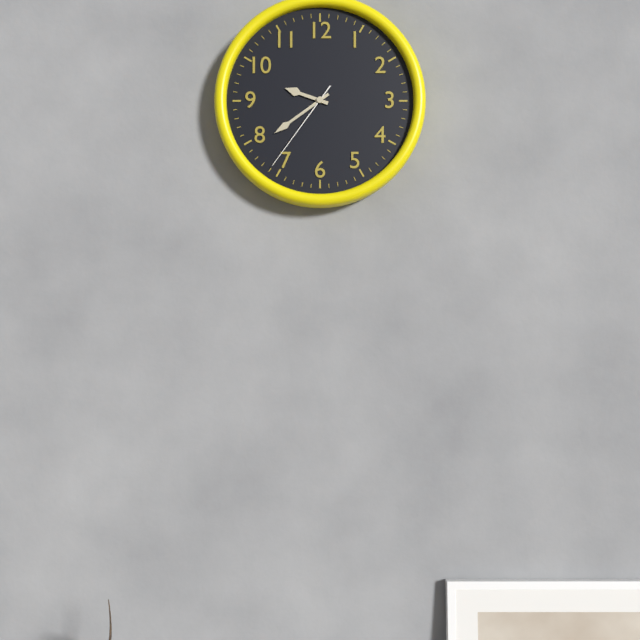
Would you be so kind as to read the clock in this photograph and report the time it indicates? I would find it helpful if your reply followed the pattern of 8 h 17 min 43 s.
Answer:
9 h 39 min 36 s
